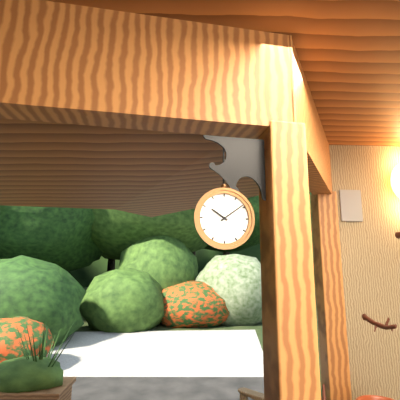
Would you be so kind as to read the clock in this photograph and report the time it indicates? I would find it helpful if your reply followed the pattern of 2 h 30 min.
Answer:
10 h 09 min
